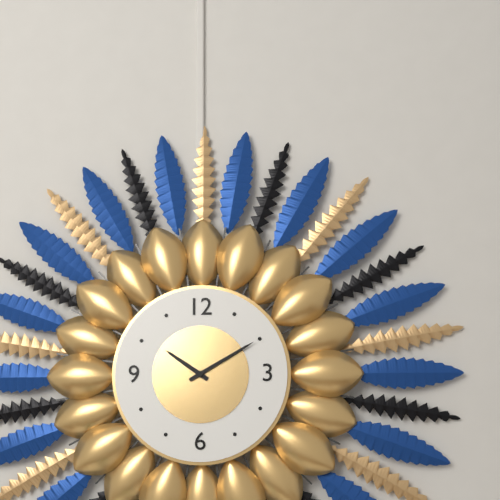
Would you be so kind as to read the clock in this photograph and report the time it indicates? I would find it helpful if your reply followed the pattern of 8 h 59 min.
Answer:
10 h 10 min
